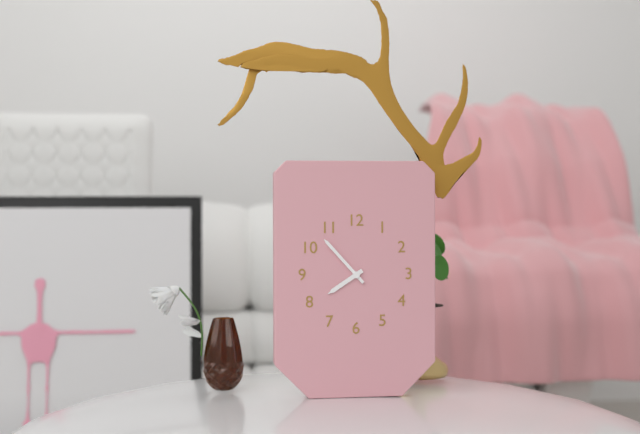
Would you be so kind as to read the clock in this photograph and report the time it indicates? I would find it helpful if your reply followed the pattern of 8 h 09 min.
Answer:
7 h 53 min
